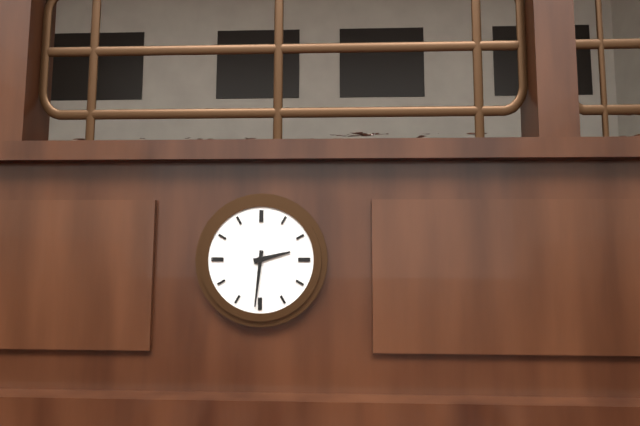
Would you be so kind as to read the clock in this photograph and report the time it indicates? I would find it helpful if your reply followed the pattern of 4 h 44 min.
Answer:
2 h 31 min
